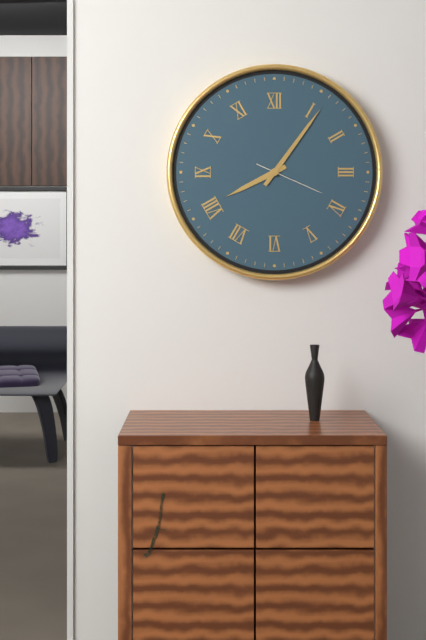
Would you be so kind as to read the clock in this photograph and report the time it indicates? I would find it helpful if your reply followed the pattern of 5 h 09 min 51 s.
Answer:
8 h 06 min 19 s
